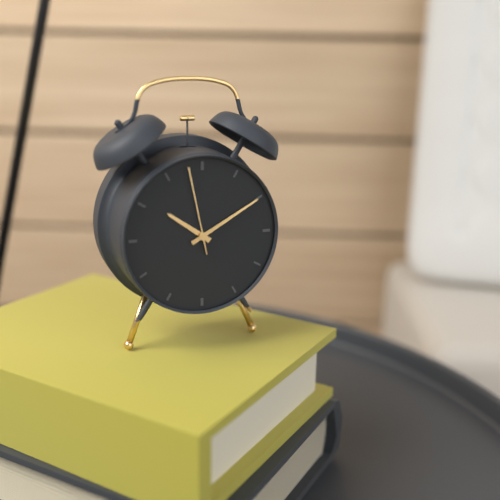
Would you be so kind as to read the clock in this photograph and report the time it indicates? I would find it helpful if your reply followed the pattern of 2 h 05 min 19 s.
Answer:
10 h 10 min 58 s
